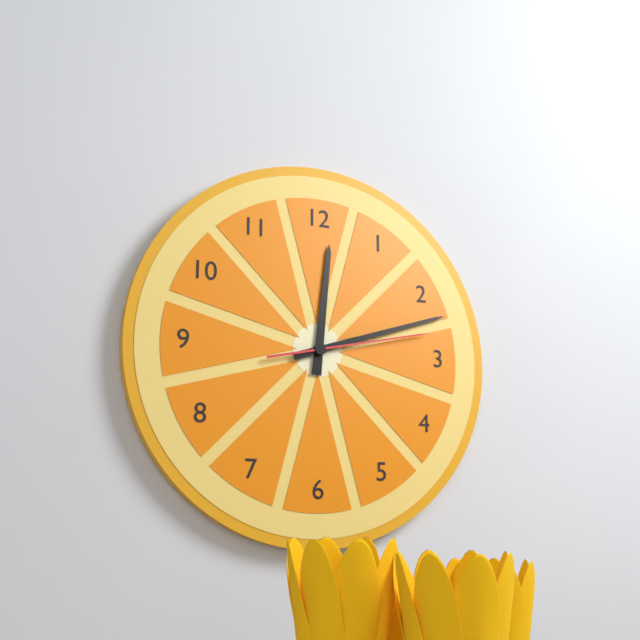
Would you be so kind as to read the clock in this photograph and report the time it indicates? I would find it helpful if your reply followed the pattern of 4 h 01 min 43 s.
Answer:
12 h 12 min 13 s
